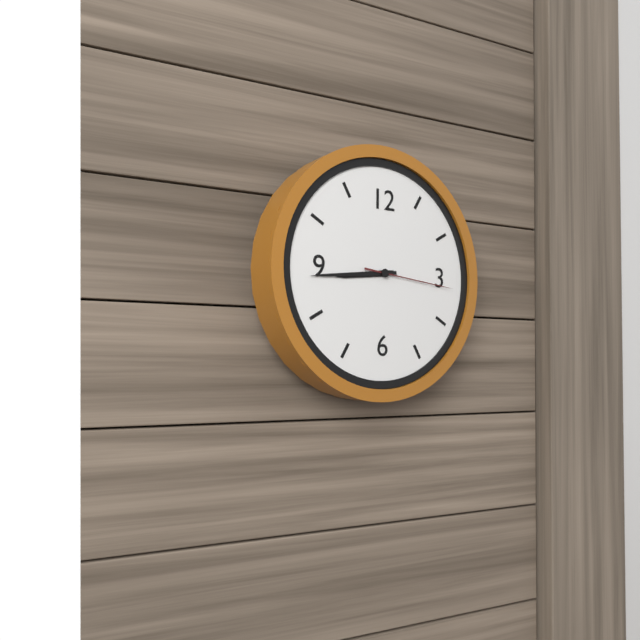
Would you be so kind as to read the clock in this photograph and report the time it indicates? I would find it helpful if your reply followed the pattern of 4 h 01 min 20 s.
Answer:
8 h 44 min 16 s
